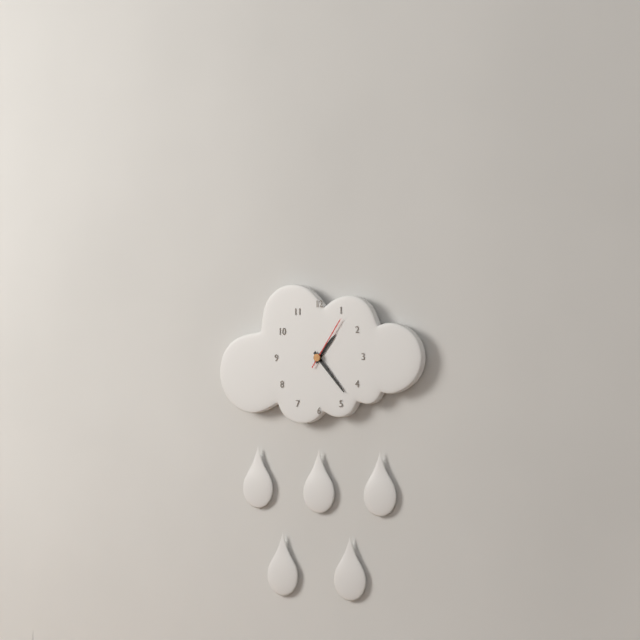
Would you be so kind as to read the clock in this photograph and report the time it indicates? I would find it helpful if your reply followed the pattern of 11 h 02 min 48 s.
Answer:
1 h 23 min 06 s
